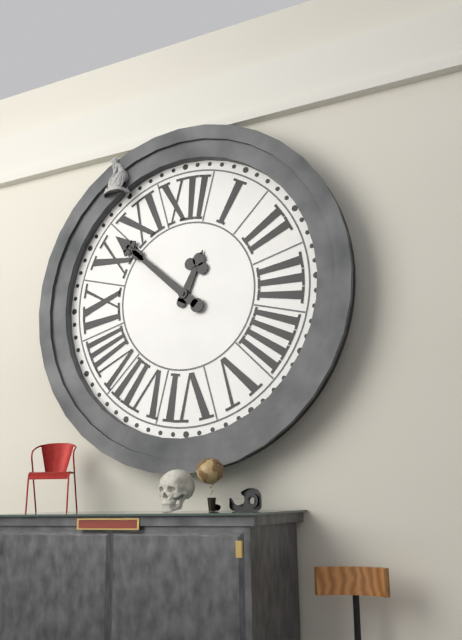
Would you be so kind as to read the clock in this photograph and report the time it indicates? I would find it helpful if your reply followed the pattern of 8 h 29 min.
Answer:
12 h 52 min
